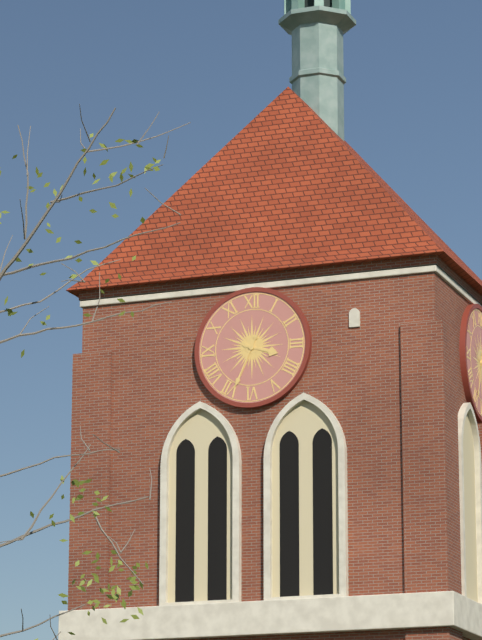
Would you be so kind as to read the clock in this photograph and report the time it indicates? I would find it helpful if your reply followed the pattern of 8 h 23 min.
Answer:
3 h 34 min
